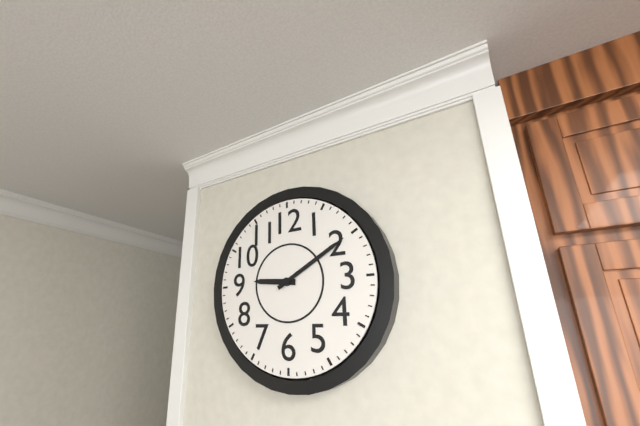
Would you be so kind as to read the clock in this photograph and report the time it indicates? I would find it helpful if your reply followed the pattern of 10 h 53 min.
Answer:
9 h 10 min
